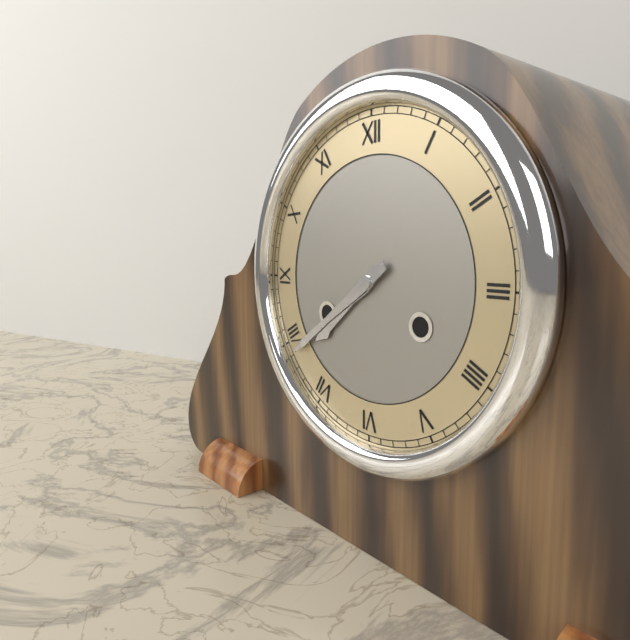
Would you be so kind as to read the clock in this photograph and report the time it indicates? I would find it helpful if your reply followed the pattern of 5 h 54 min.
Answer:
7 h 39 min
